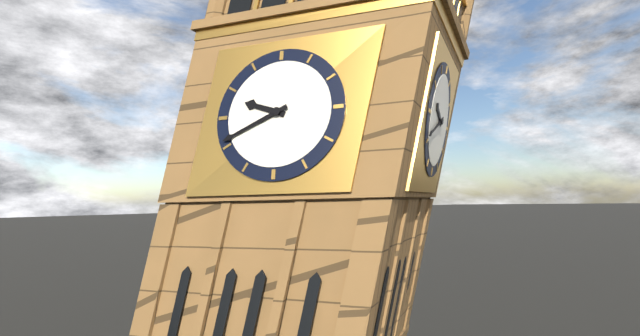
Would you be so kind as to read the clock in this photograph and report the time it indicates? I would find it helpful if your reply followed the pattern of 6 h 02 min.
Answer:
9 h 41 min
